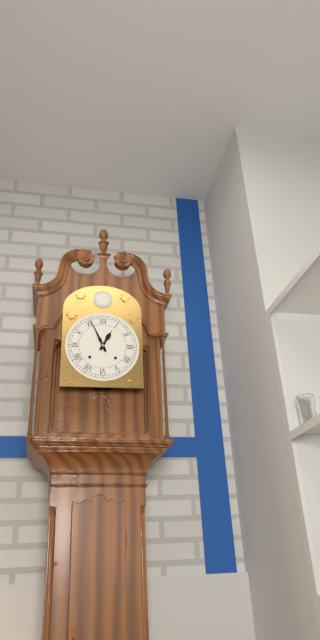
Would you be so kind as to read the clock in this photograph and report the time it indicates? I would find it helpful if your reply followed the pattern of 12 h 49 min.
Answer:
12 h 56 min
